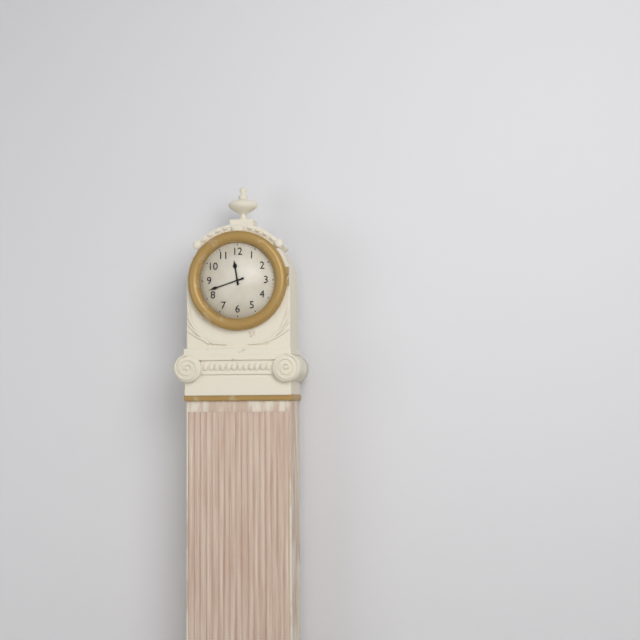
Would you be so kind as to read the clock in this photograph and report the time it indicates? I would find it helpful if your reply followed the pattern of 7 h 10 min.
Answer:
11 h 42 min
